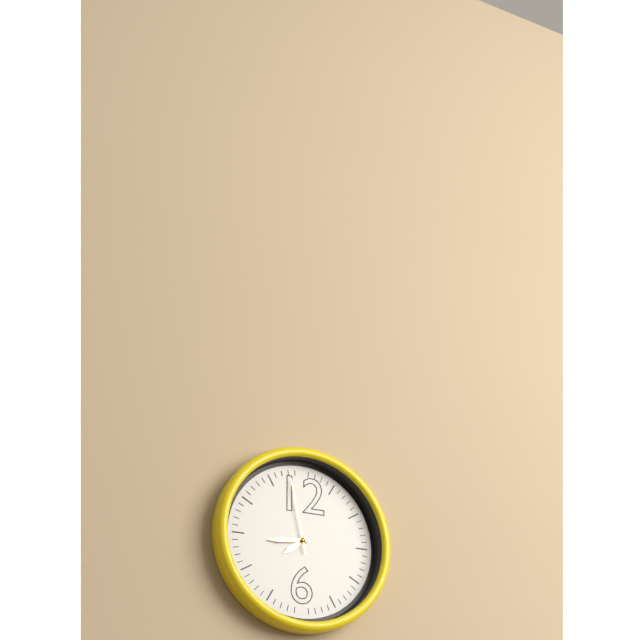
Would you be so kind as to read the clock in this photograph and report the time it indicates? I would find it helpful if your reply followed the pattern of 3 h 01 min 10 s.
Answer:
7 h 44 min 58 s
